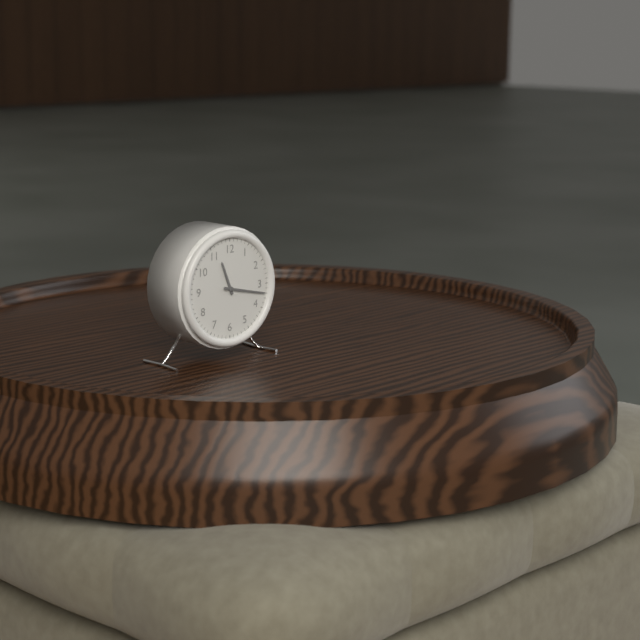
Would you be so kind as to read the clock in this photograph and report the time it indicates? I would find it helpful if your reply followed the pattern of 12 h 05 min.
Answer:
11 h 17 min
